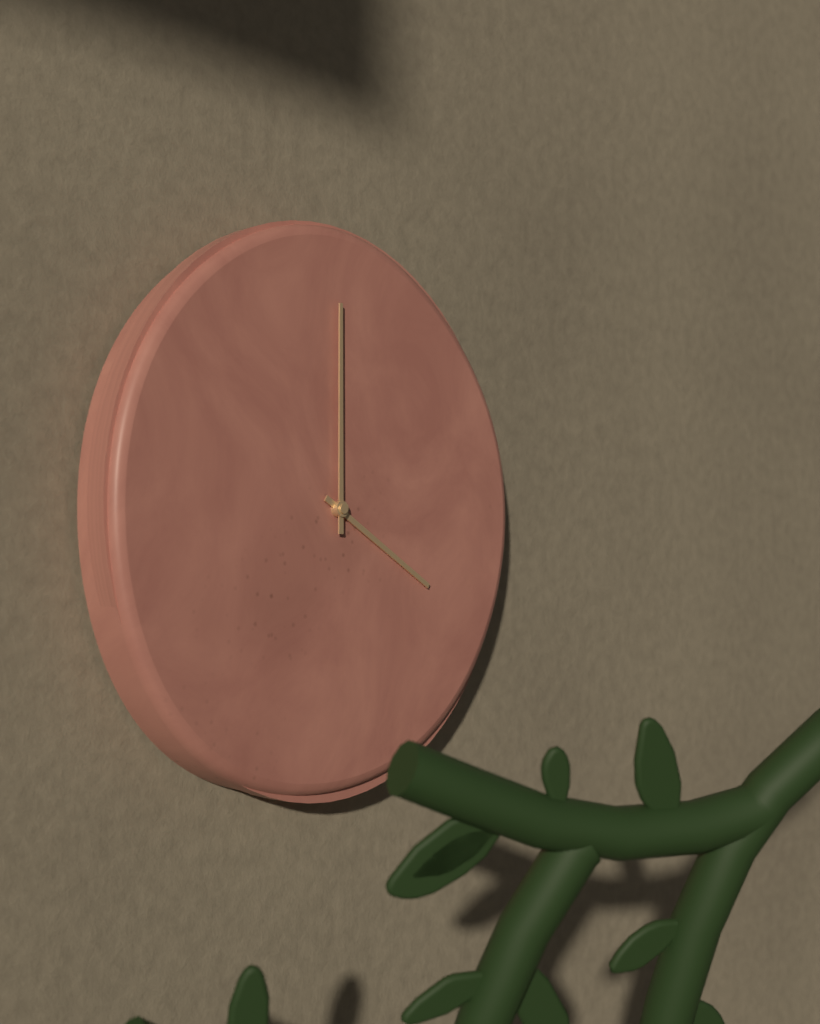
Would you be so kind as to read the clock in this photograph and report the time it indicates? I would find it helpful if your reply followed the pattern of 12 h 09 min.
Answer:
4 h 00 min
